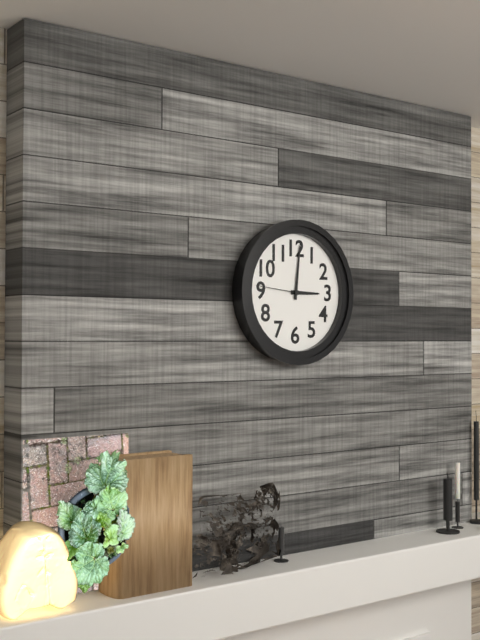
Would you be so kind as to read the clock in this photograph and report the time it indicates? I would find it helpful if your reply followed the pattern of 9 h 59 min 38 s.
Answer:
3 h 01 min 46 s
